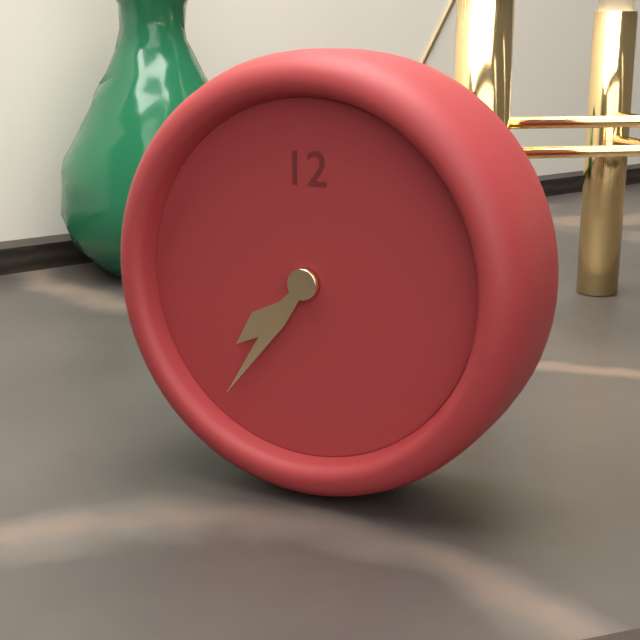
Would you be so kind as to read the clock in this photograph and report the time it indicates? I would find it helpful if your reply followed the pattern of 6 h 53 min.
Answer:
7 h 36 min
